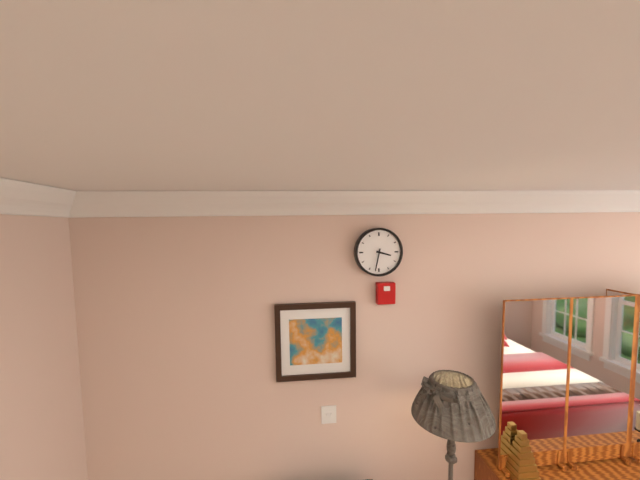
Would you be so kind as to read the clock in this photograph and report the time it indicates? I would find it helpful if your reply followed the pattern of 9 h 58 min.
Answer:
3 h 32 min
